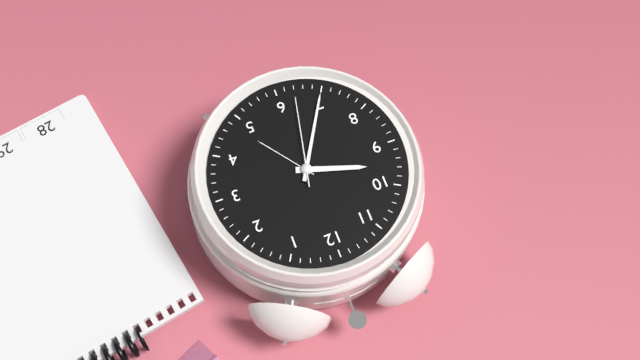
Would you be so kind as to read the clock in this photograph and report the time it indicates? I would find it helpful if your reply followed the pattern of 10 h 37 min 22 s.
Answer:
9 h 35 min 32 s
